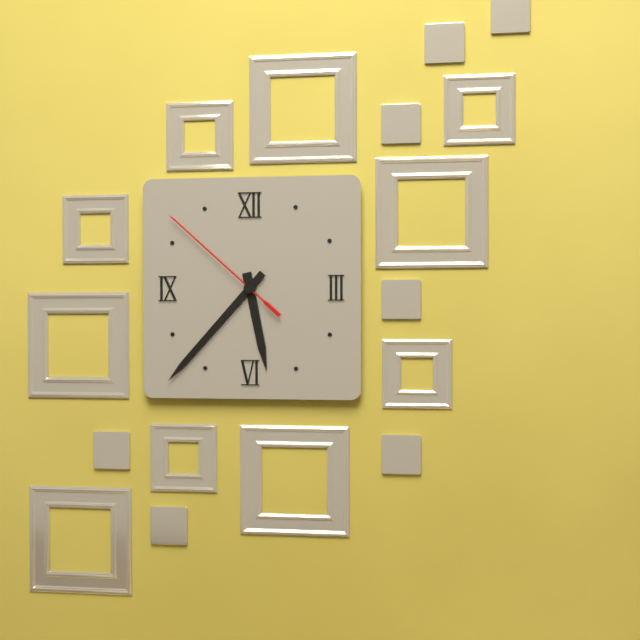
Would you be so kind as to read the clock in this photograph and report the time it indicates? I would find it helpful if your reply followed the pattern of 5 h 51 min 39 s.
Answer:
5 h 37 min 52 s
